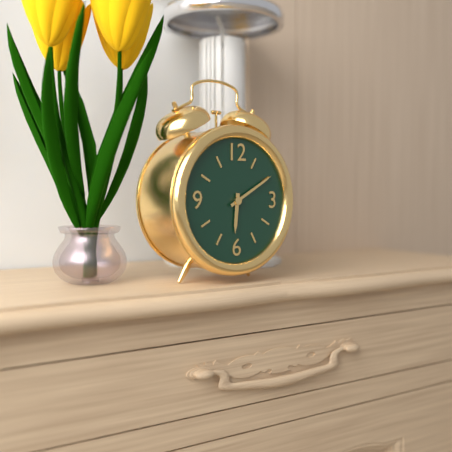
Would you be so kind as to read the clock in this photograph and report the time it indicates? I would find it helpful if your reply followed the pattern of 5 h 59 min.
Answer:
6 h 10 min
